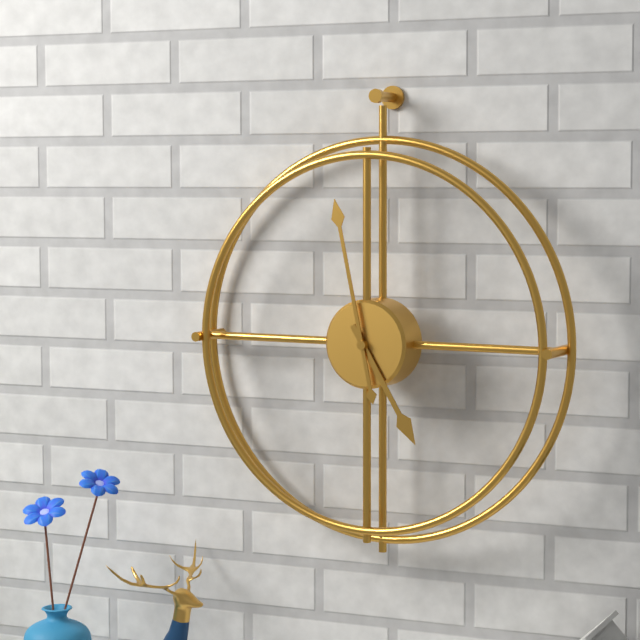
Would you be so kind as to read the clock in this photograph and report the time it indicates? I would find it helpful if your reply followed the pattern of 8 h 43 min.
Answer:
4 h 58 min
